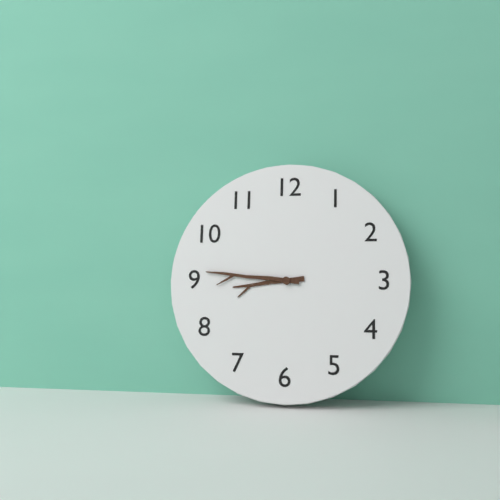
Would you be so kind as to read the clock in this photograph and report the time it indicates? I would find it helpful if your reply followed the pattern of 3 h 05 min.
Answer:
8 h 46 min
